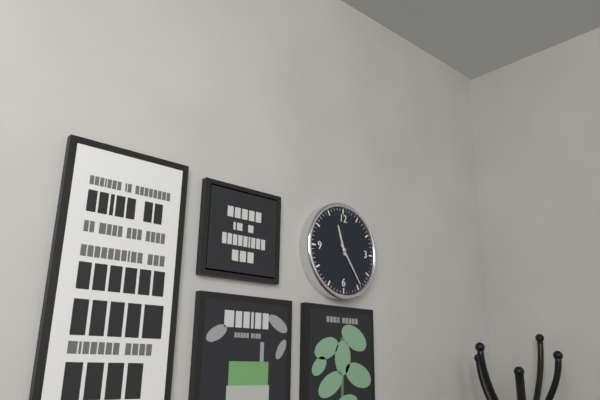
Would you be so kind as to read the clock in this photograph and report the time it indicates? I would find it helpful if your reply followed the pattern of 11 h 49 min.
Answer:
11 h 24 min
